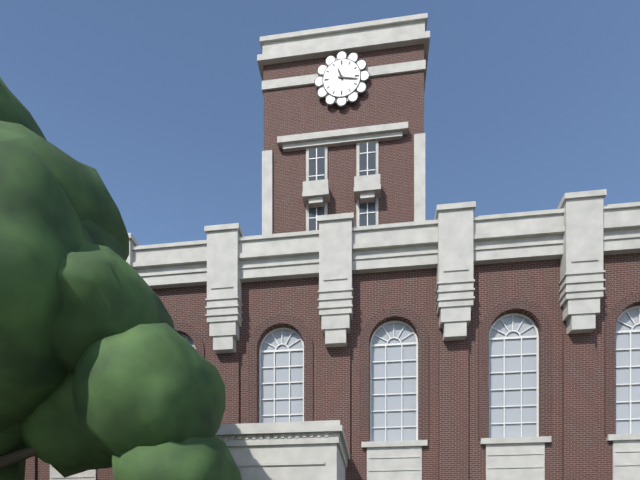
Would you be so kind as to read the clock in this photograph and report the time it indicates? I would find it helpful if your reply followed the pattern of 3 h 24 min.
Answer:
11 h 17 min
